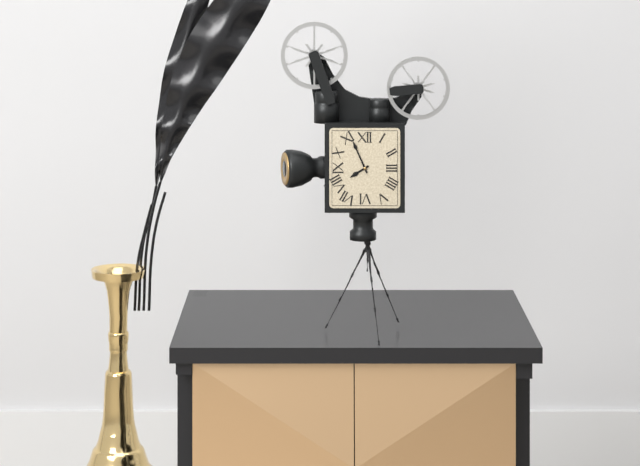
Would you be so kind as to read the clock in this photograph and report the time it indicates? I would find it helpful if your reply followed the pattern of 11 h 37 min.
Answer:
7 h 56 min
